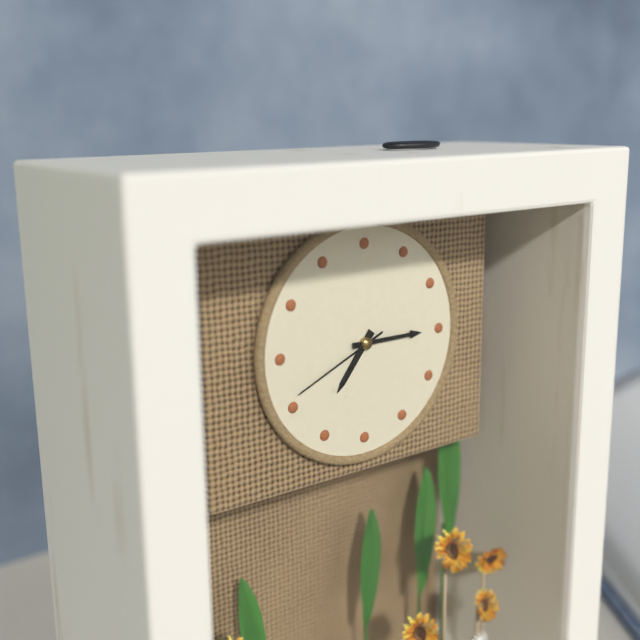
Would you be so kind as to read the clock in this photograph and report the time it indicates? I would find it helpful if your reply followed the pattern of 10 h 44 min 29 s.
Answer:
7 h 15 min 41 s
